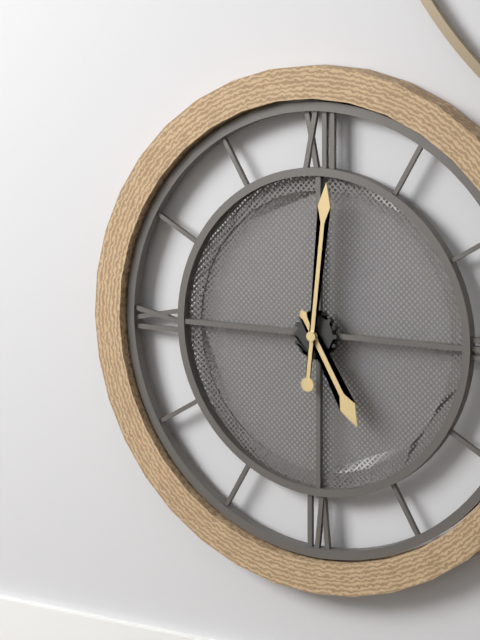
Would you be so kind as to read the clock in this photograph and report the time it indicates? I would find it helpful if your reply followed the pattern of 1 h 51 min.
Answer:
5 h 01 min
